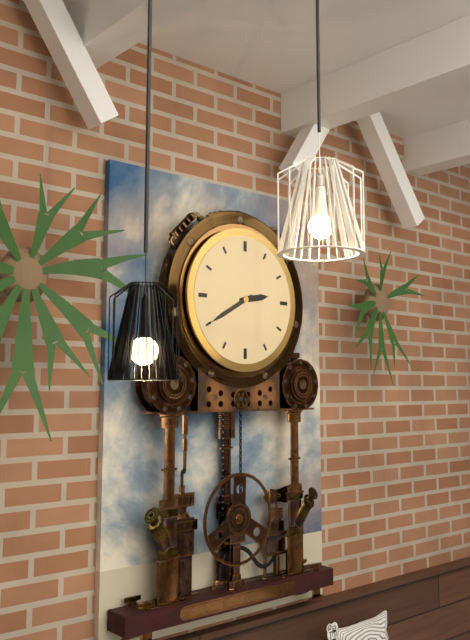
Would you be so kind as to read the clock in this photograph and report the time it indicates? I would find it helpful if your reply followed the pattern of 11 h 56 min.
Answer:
2 h 40 min
